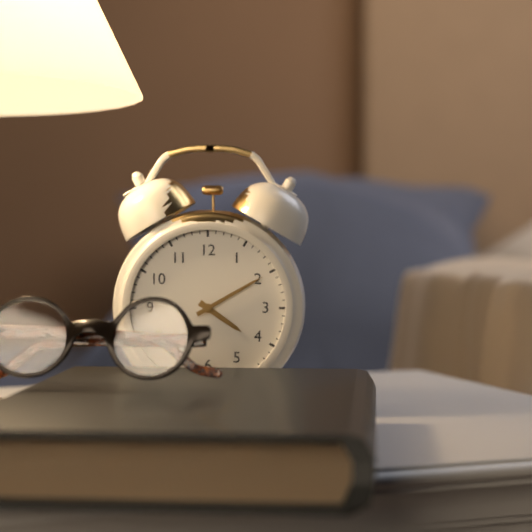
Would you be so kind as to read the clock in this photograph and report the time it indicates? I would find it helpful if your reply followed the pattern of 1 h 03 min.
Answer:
4 h 10 min
